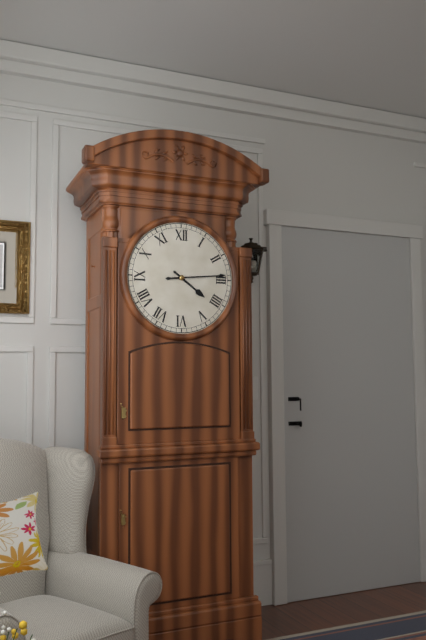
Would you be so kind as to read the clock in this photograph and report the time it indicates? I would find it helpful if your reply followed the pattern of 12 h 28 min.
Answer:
4 h 14 min
